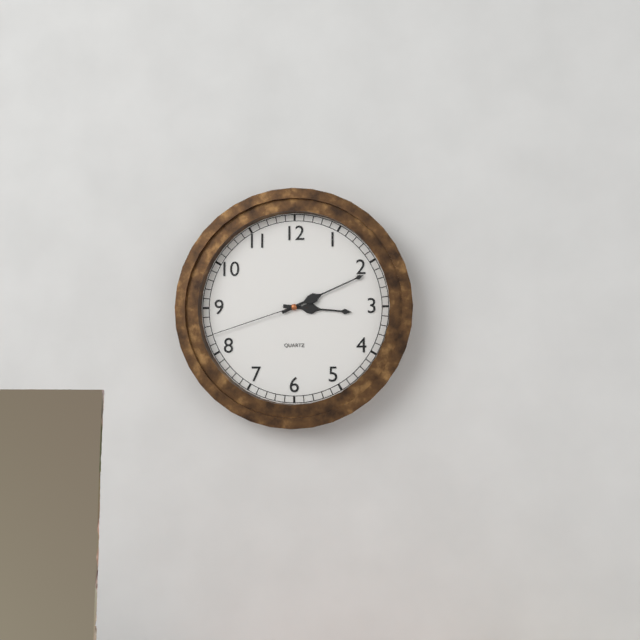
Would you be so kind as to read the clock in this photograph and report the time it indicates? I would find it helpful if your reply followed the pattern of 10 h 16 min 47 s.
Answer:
3 h 11 min 42 s
